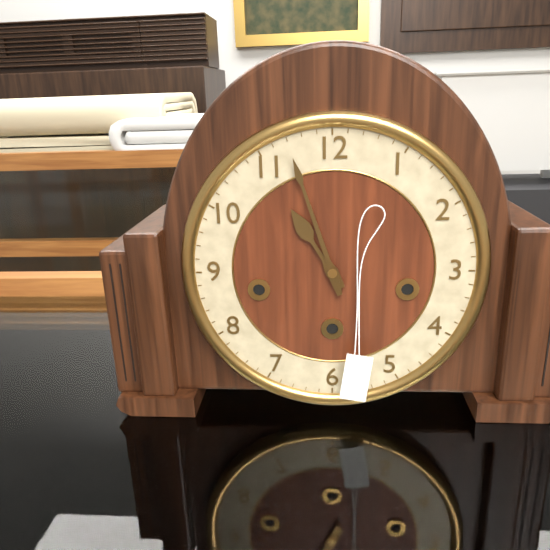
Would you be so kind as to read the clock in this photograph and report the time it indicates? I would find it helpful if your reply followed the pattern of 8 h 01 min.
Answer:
10 h 57 min
